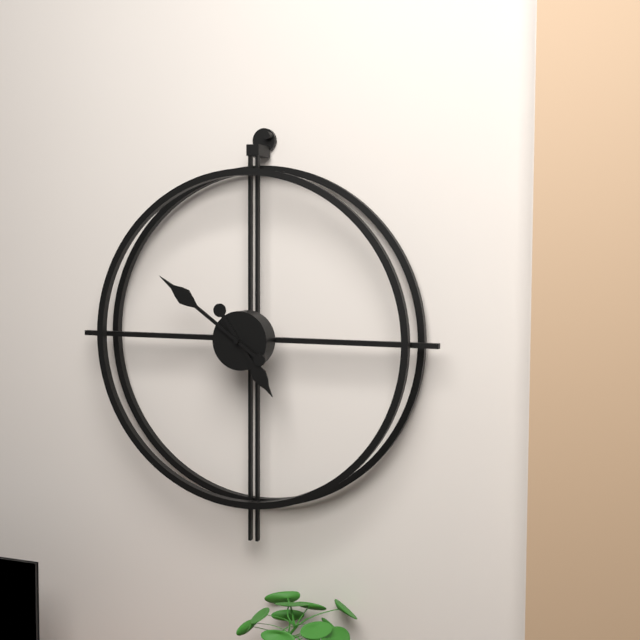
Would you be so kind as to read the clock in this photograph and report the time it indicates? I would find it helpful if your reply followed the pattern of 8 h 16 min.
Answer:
4 h 51 min
